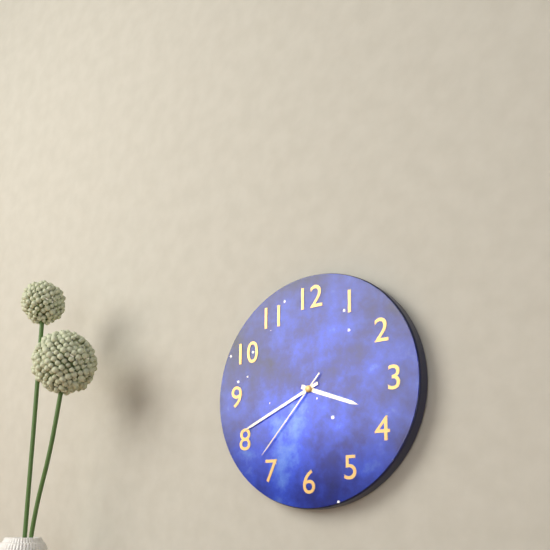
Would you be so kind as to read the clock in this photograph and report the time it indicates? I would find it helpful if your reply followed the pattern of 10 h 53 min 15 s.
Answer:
3 h 41 min 37 s
